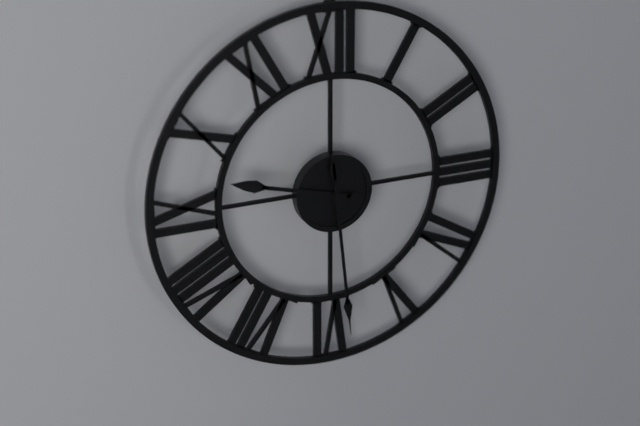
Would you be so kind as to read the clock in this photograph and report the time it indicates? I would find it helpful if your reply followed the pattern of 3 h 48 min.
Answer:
9 h 29 min
